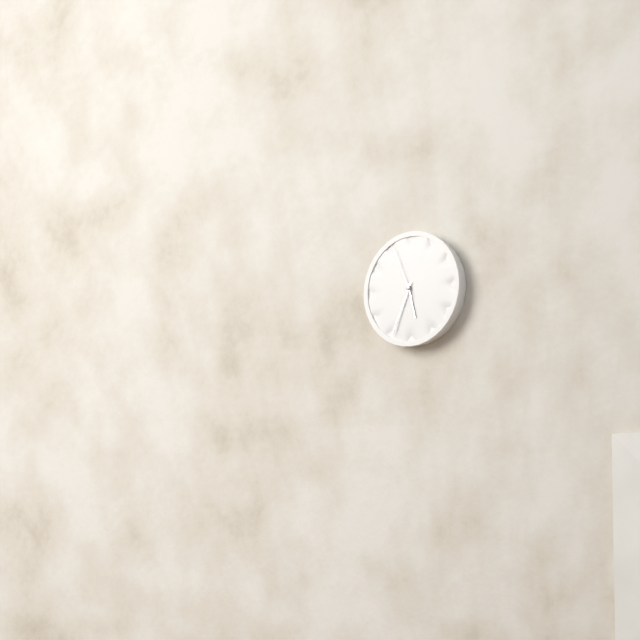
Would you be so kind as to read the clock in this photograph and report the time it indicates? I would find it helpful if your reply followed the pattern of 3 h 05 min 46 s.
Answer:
5 h 34 min 56 s
